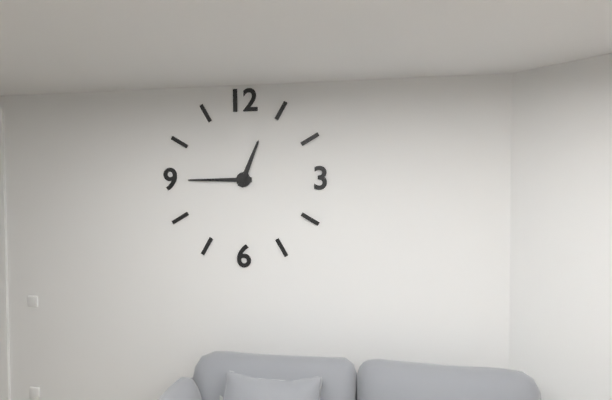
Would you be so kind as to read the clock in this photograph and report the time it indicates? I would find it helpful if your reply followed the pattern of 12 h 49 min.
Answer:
12 h 45 min
